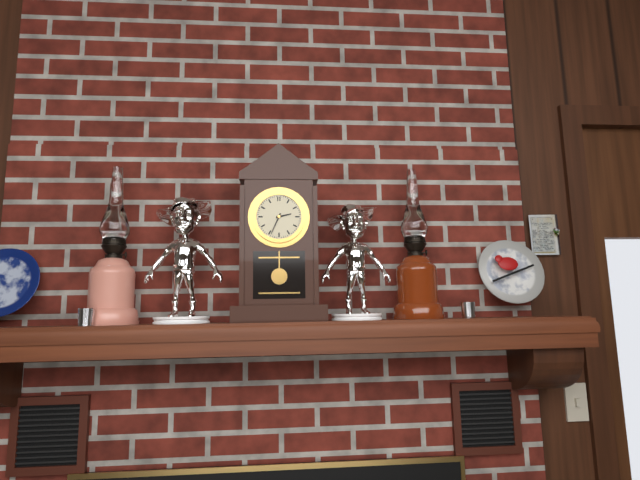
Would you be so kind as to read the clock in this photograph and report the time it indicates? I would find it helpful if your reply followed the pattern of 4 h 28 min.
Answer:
2 h 34 min
